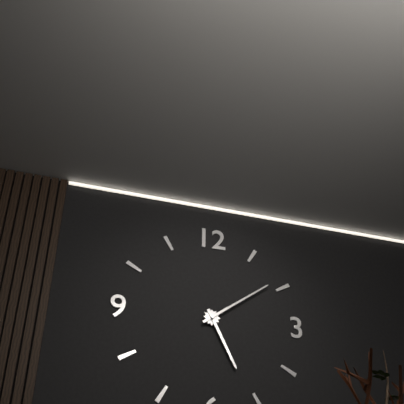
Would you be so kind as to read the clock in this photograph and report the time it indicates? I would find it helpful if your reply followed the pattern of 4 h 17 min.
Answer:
5 h 09 min
